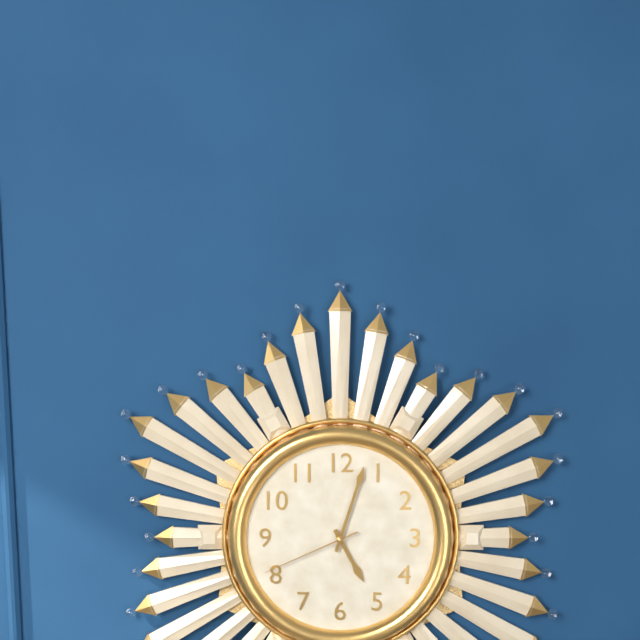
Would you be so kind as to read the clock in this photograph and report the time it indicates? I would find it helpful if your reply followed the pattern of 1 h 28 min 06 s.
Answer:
5 h 03 min 41 s
